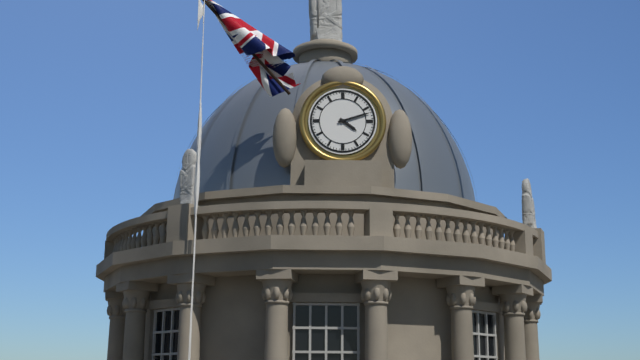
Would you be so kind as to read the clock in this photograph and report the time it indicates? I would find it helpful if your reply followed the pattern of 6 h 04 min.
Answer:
4 h 12 min
